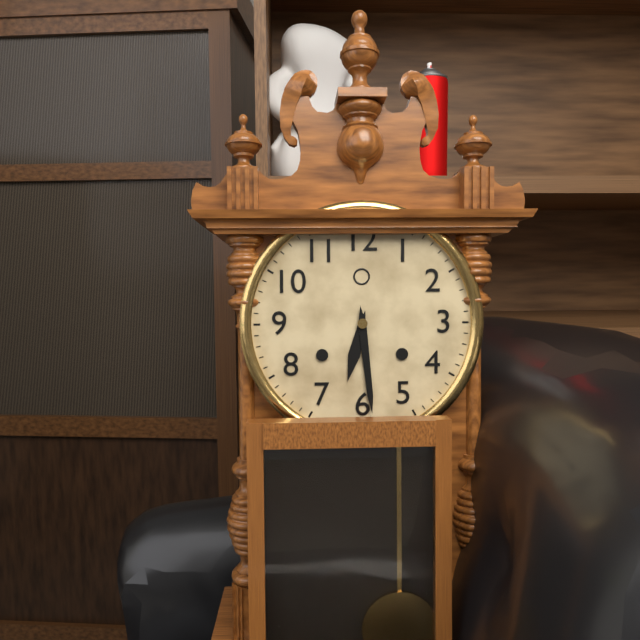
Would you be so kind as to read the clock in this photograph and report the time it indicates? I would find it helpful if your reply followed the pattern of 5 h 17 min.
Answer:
6 h 29 min
